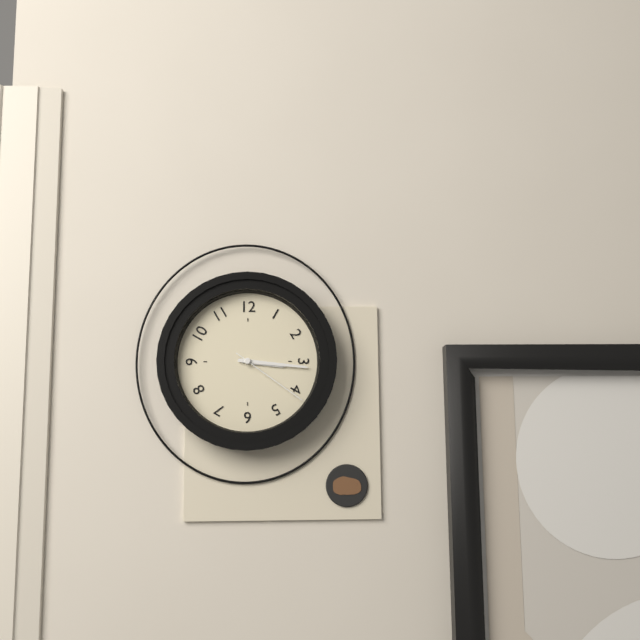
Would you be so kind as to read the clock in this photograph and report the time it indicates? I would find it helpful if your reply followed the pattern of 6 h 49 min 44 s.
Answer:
3 h 16 min 21 s
